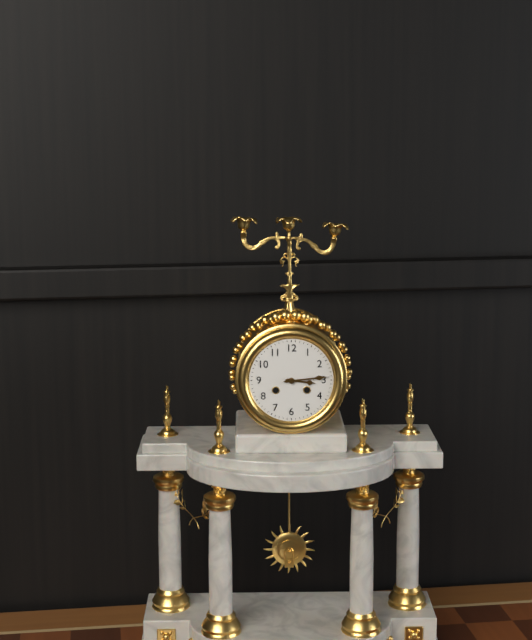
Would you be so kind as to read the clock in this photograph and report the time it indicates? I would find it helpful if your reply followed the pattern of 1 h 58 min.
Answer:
3 h 14 min
